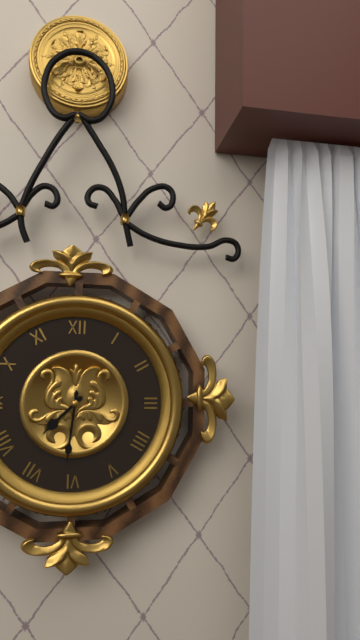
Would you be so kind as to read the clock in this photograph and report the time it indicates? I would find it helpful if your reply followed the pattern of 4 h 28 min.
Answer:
7 h 31 min
